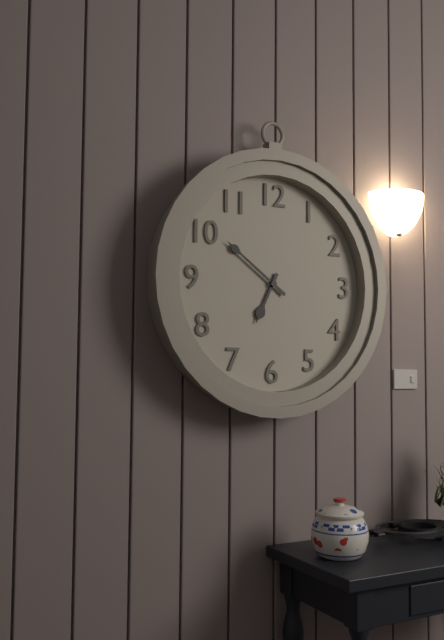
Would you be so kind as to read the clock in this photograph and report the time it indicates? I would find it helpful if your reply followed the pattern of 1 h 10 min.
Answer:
6 h 51 min
